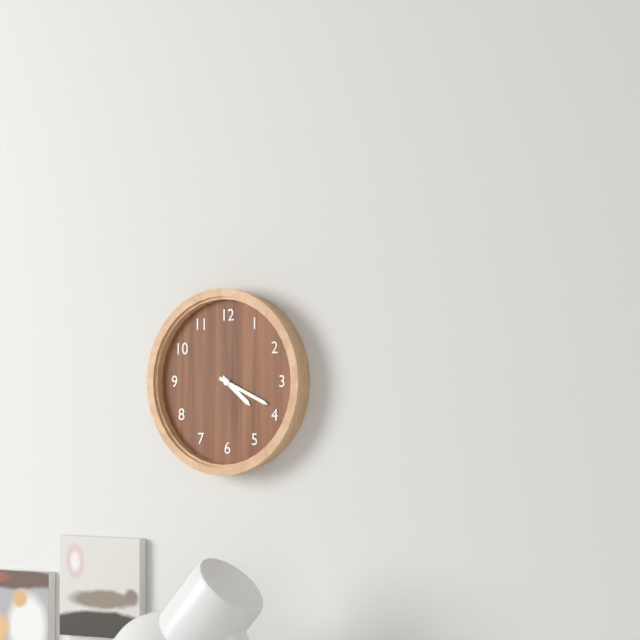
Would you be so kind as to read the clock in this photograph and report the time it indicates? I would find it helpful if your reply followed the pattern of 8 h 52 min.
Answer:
4 h 19 min
